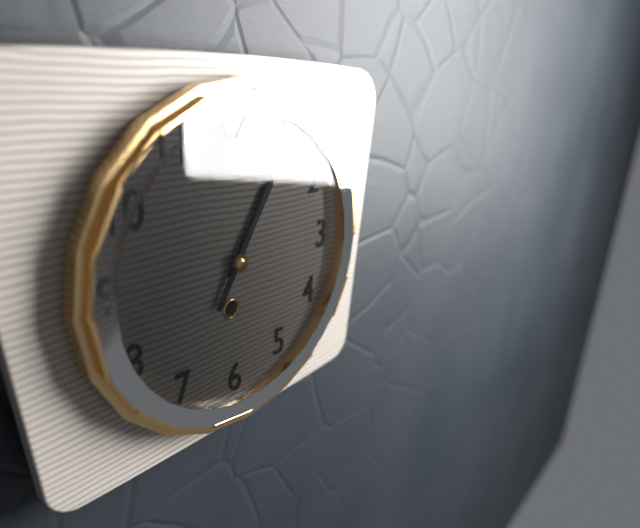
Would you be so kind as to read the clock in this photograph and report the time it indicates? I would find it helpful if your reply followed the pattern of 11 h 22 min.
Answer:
1 h 05 min
